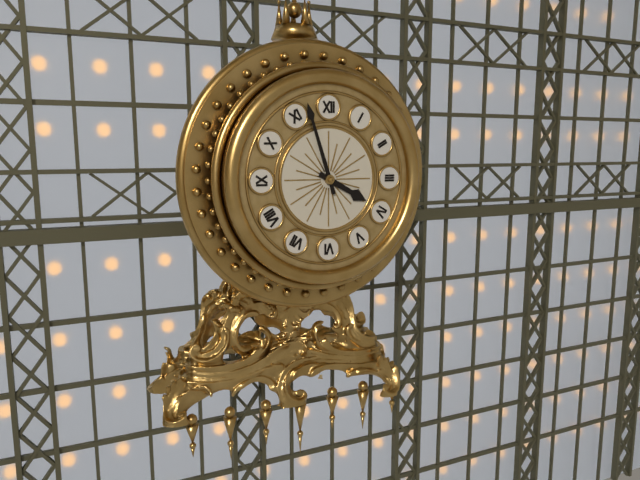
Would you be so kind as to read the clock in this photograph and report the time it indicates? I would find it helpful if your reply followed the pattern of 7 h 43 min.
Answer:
3 h 57 min
